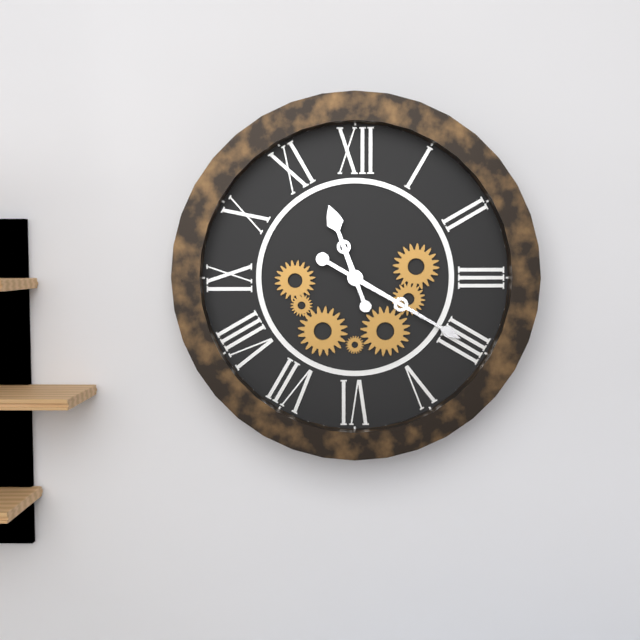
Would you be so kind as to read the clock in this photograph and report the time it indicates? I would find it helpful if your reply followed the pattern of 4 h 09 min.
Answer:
11 h 20 min
